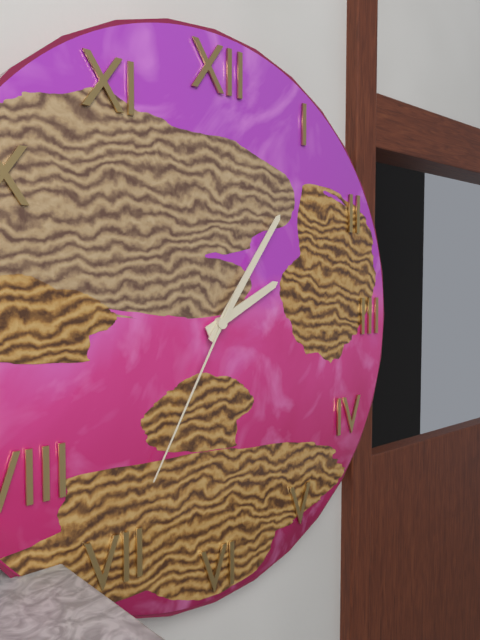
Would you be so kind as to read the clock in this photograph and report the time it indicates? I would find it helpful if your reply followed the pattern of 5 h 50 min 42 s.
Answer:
2 h 06 min 35 s
